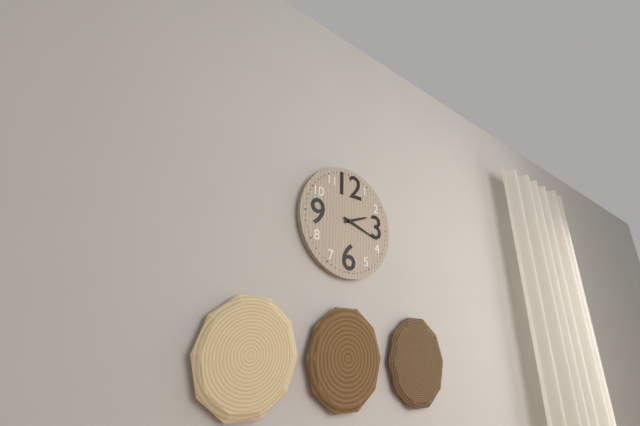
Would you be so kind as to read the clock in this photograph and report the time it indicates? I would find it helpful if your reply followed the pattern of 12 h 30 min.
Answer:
2 h 18 min
